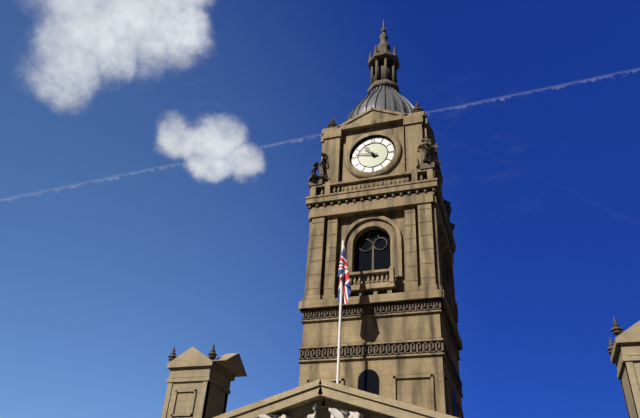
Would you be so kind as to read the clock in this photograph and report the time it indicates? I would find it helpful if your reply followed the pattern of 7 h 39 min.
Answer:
10 h 47 min
